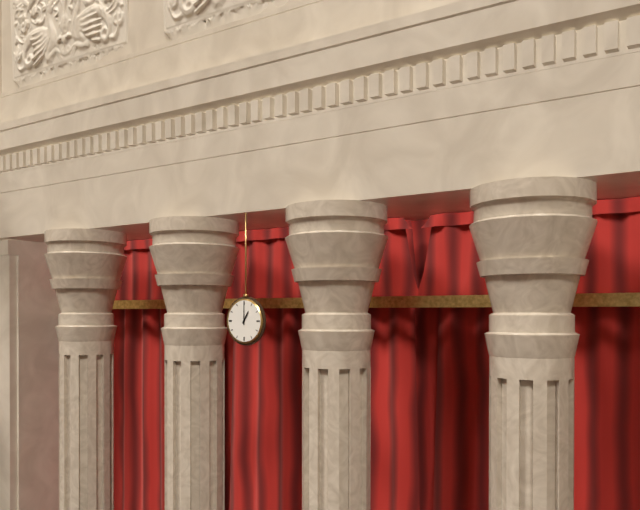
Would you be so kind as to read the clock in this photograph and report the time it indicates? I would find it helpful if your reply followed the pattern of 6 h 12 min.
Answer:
1 h 00 min
